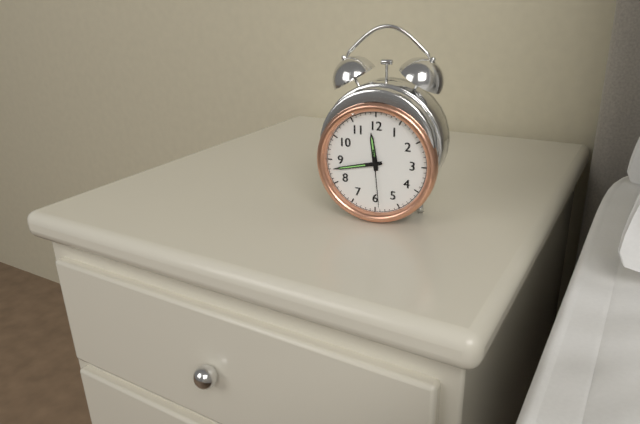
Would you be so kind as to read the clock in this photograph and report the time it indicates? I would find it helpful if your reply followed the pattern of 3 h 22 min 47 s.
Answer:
11 h 43 min 29 s
